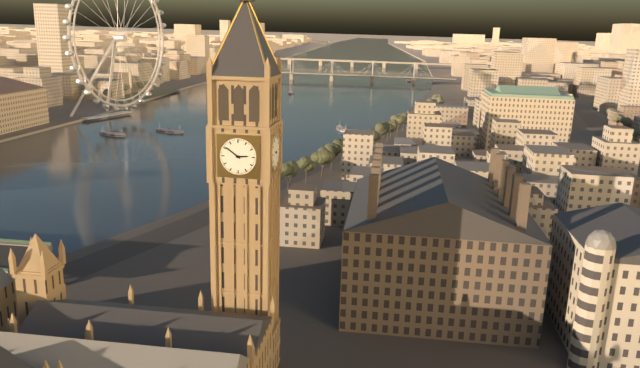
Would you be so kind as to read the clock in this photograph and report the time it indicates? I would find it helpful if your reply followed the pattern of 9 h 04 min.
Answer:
2 h 51 min
